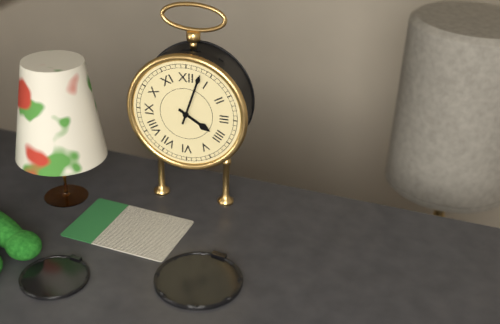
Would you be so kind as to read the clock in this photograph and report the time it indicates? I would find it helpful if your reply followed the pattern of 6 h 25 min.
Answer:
4 h 03 min
